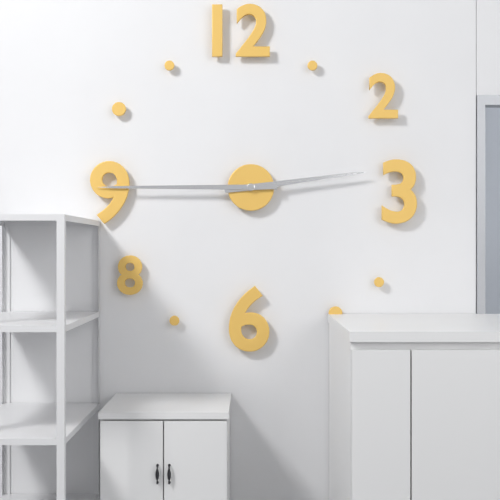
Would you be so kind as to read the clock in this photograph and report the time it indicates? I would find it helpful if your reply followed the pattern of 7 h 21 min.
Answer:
2 h 45 min
